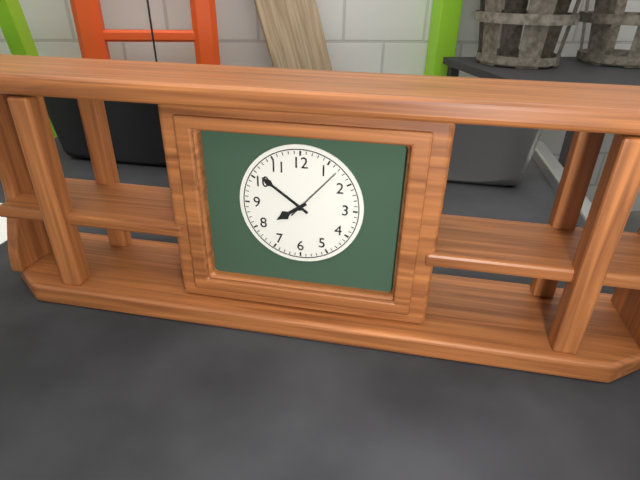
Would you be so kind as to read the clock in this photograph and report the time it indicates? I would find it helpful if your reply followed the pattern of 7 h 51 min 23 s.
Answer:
7 h 51 min 07 s
